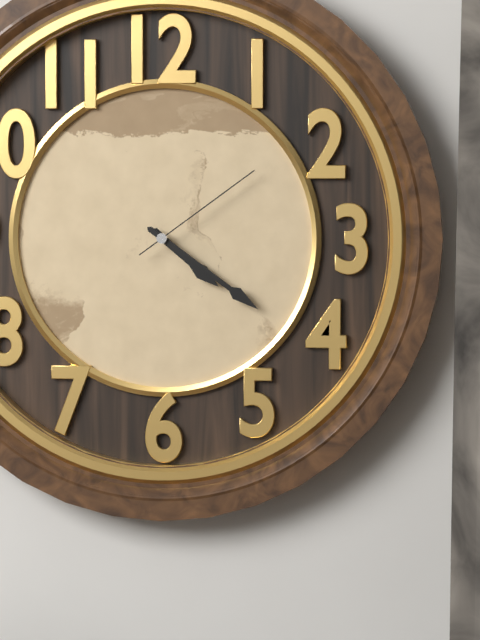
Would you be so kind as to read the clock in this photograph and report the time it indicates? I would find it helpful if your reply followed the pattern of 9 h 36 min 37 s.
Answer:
4 h 21 min 09 s
